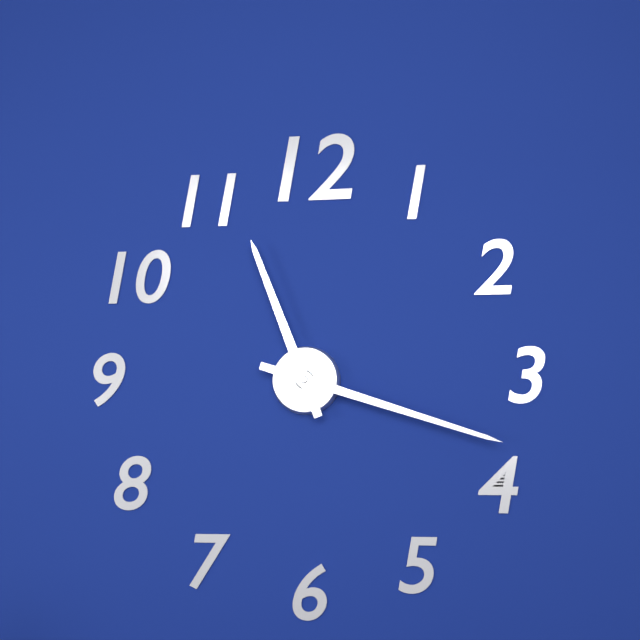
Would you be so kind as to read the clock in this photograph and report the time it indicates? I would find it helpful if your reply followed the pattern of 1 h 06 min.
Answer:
11 h 18 min
